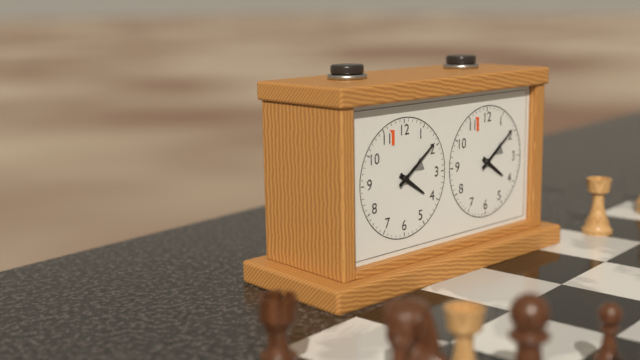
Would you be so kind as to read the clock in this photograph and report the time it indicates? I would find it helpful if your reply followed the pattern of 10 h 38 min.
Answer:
4 h 09 min
